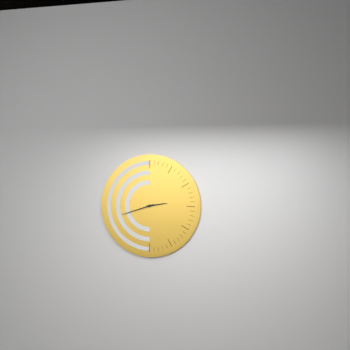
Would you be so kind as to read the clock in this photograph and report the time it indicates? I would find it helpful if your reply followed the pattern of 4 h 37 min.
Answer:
2 h 42 min
